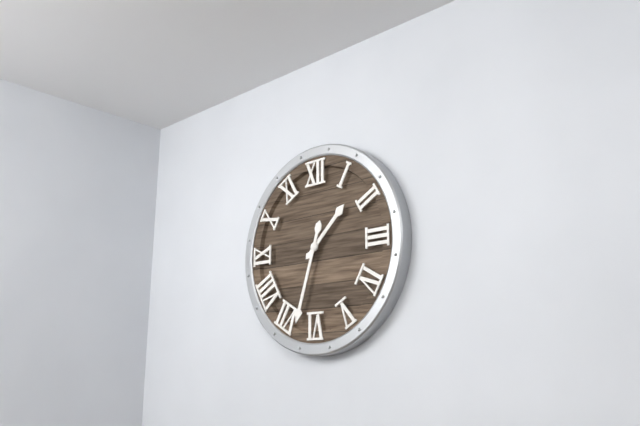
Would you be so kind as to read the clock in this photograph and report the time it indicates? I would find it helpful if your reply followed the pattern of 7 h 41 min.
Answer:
1 h 33 min
